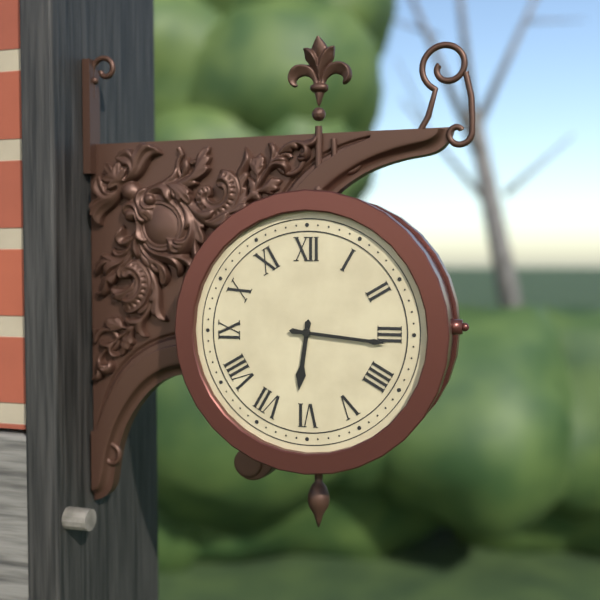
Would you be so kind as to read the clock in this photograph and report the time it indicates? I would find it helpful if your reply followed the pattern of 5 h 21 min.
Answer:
6 h 16 min
